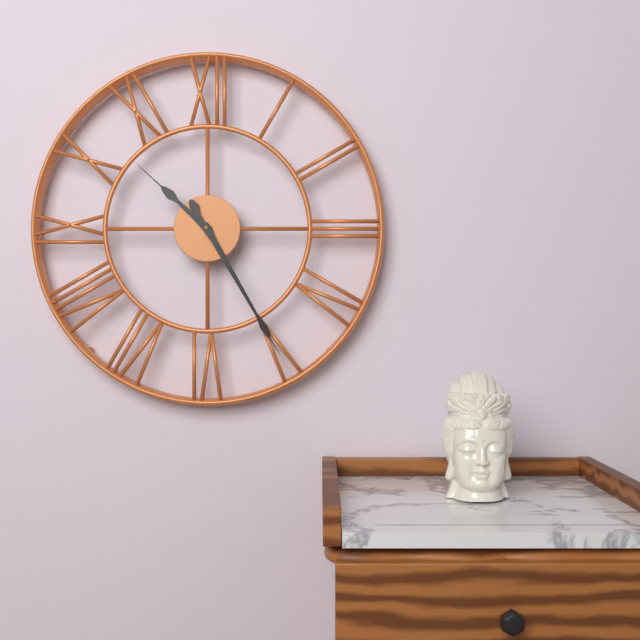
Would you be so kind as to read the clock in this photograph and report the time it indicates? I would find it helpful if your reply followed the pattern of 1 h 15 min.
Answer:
10 h 25 min
